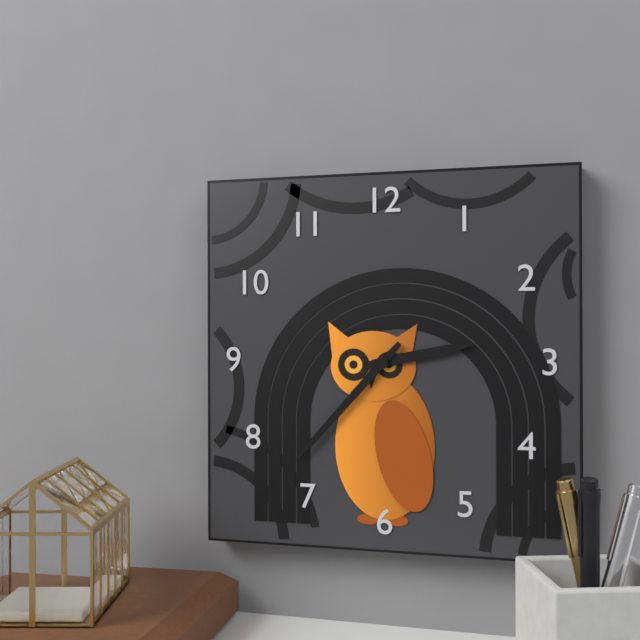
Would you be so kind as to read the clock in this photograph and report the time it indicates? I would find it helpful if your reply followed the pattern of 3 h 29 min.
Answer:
2 h 37 min
